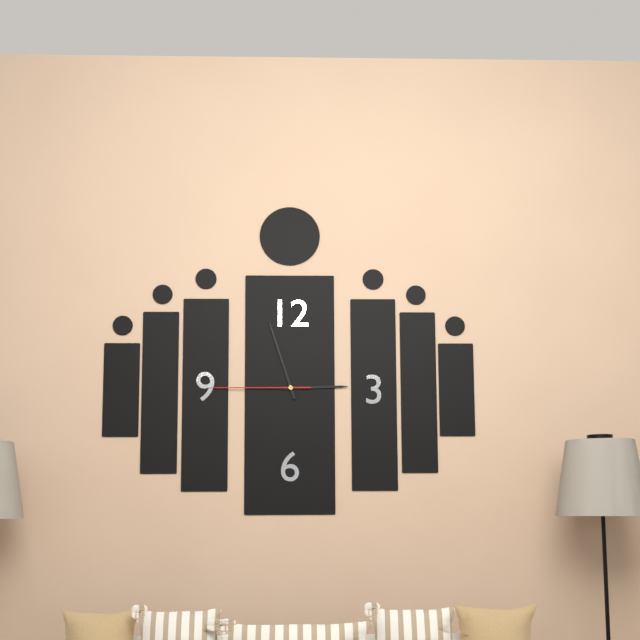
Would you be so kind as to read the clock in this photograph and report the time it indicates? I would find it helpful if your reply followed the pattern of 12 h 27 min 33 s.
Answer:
2 h 57 min 45 s
